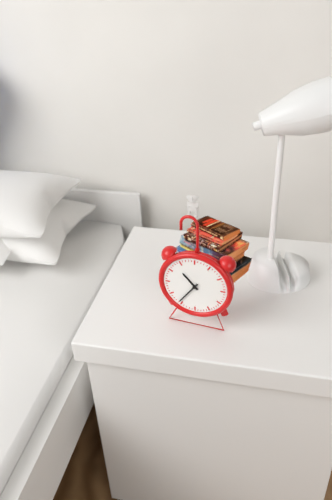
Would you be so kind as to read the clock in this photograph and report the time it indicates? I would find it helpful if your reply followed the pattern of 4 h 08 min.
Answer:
10 h 36 min
